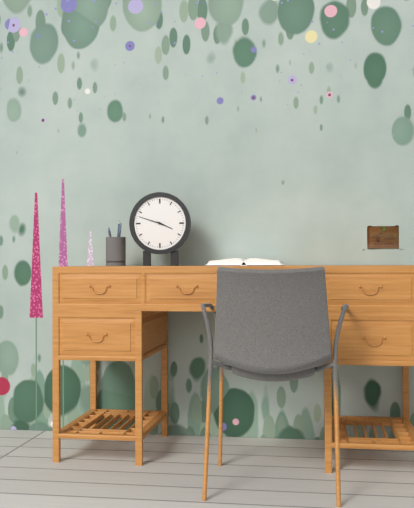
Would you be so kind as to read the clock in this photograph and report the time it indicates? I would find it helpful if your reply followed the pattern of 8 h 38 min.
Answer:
3 h 48 min
